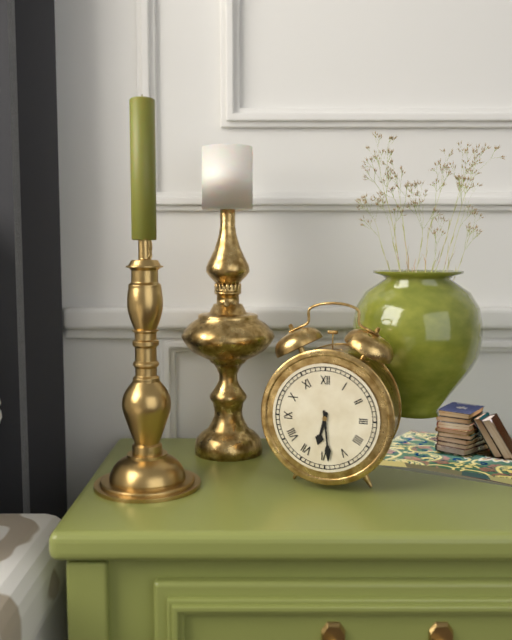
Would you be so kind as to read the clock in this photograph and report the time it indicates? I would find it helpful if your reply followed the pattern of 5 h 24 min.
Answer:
6 h 29 min
